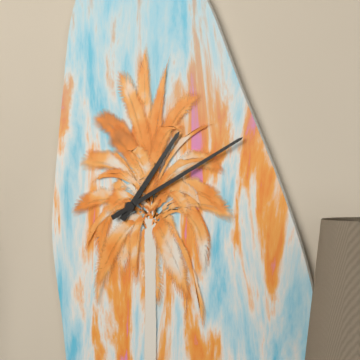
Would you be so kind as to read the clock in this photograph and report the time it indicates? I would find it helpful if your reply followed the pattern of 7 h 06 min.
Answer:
1 h 10 min
